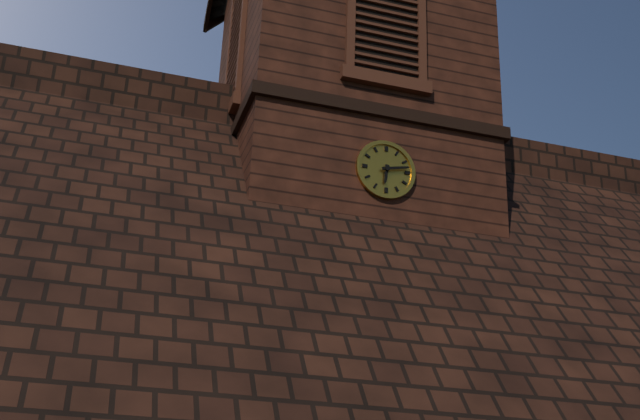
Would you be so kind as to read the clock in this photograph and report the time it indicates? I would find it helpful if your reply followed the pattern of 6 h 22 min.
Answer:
6 h 13 min
